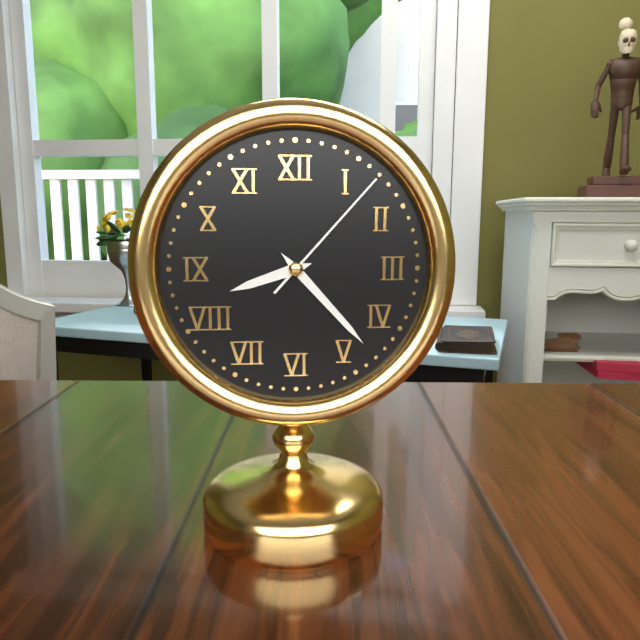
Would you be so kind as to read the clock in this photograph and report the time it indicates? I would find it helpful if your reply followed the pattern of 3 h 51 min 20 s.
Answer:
8 h 23 min 07 s
